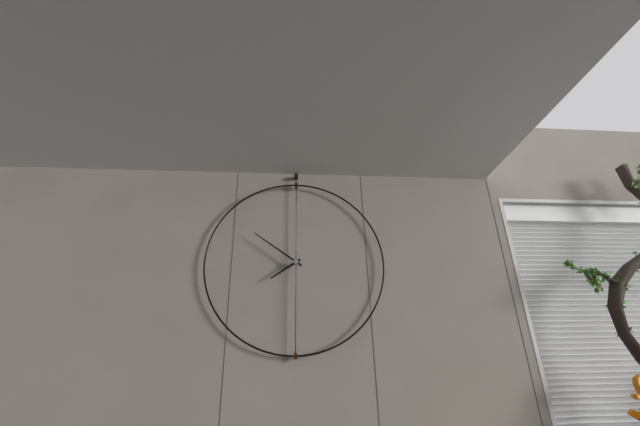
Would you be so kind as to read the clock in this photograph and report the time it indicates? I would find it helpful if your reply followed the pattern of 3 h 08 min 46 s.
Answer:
7 h 51 min 30 s
